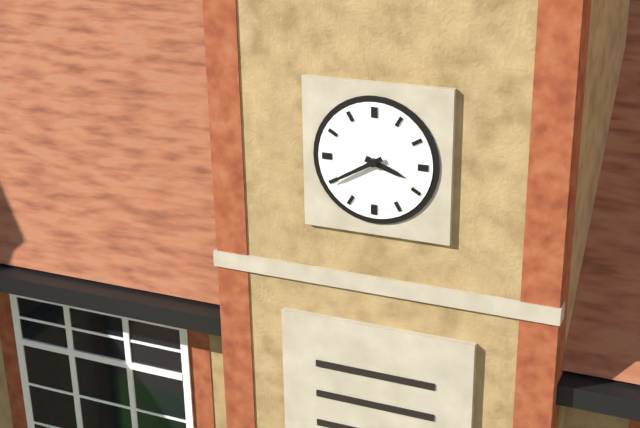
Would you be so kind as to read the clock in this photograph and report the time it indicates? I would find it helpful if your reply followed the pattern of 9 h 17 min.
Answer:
3 h 40 min
